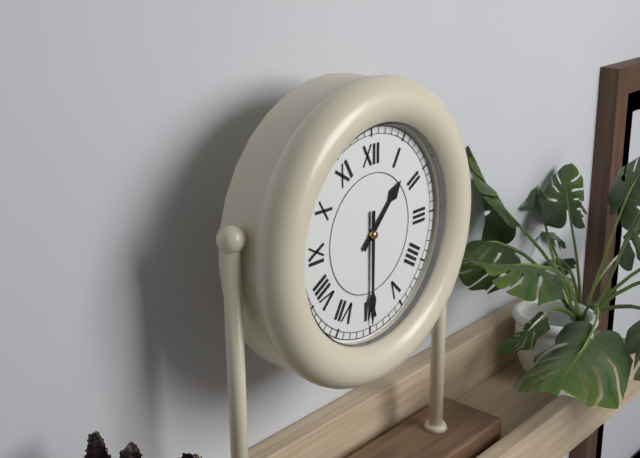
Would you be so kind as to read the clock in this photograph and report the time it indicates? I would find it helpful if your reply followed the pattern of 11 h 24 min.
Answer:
1 h 30 min
